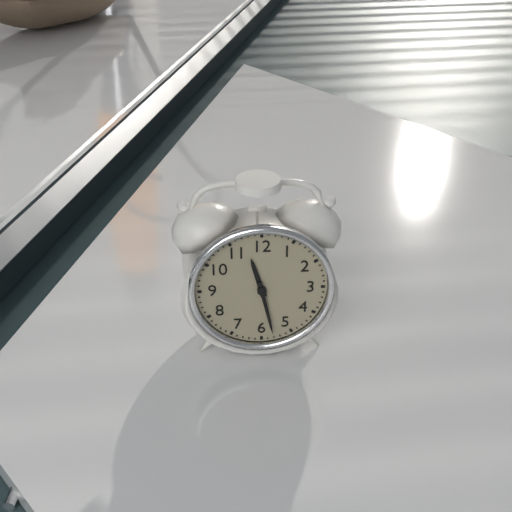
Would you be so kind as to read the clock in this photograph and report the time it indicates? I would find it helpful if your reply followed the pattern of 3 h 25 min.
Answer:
11 h 28 min
